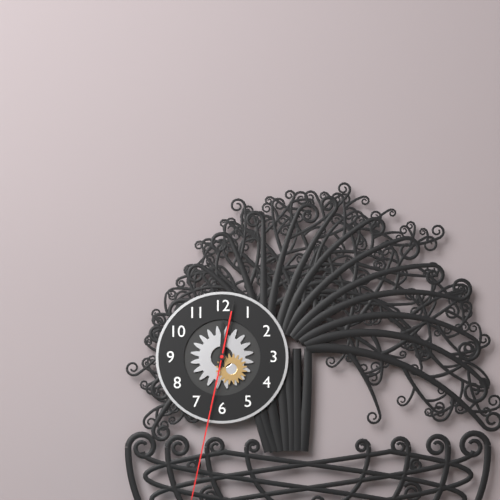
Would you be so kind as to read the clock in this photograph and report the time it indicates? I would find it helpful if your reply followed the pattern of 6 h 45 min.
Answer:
12 h 02 min
